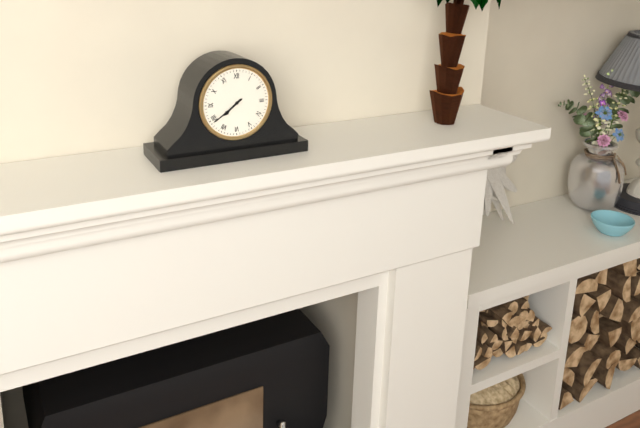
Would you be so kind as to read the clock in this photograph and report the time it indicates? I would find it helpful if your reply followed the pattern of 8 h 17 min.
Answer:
7 h 39 min
